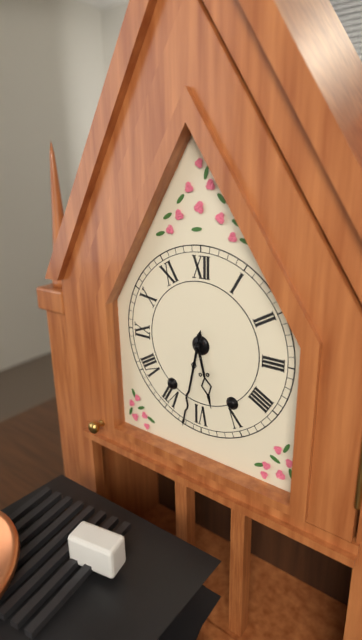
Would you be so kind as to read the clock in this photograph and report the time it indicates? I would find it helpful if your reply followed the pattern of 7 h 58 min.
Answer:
5 h 32 min
